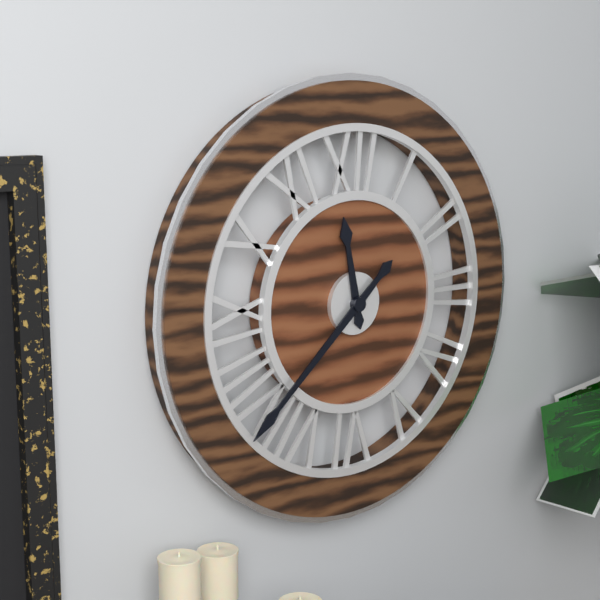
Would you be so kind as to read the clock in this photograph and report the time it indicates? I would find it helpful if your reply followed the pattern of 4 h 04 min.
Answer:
11 h 38 min
